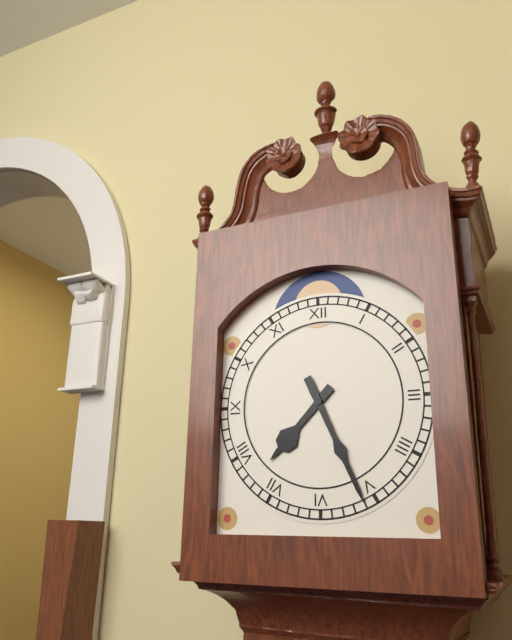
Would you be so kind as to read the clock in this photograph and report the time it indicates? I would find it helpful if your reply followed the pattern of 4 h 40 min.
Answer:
7 h 26 min
